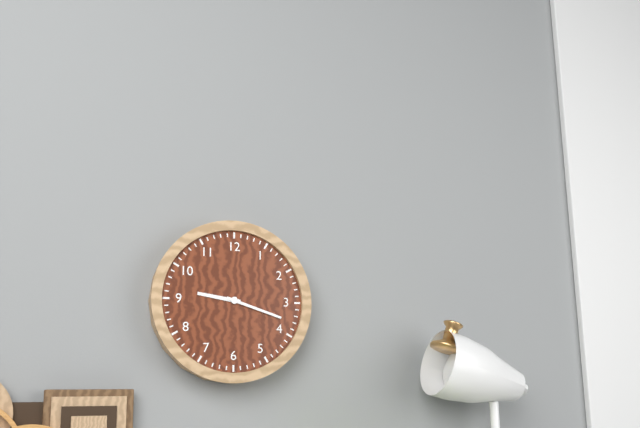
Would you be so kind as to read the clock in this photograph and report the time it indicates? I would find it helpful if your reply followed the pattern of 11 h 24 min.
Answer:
9 h 18 min
